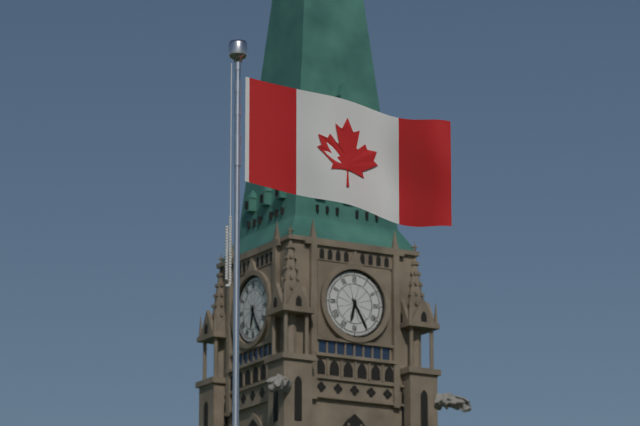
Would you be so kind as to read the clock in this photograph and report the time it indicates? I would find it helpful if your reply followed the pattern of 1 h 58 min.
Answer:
6 h 25 min
